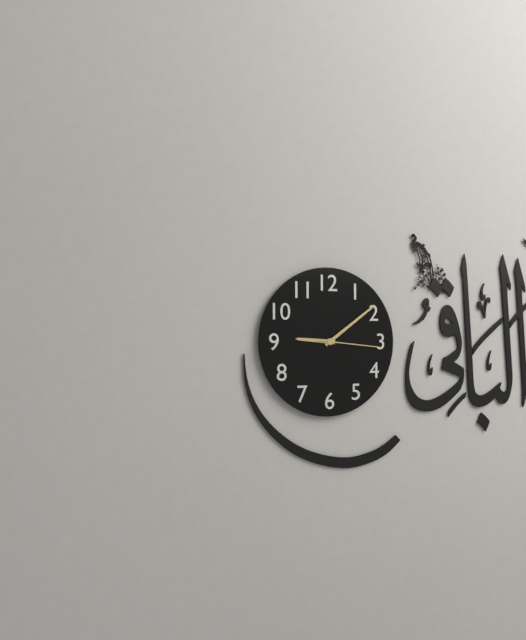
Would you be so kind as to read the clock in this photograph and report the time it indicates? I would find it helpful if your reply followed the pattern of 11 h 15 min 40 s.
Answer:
9 h 09 min 16 s
